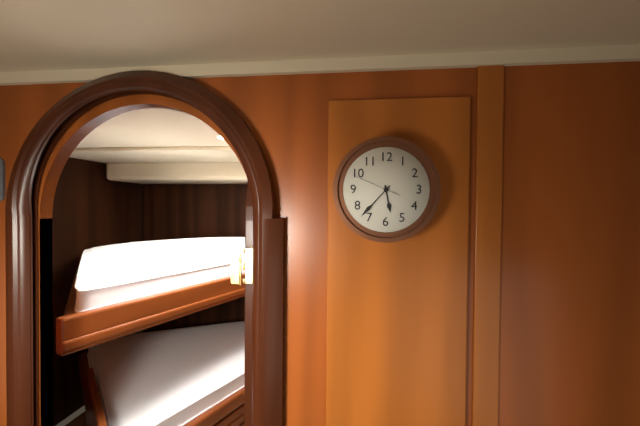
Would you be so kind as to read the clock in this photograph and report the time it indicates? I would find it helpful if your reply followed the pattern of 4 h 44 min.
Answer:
5 h 37 min
